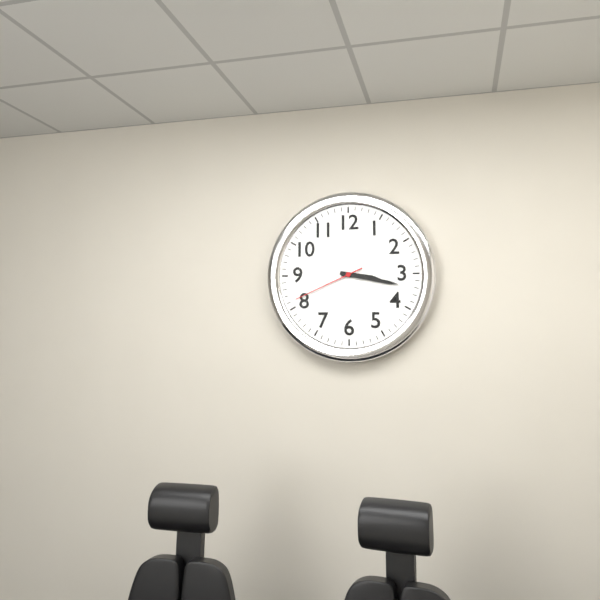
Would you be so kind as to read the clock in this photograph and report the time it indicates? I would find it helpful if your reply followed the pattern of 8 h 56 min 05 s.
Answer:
3 h 17 min 41 s
